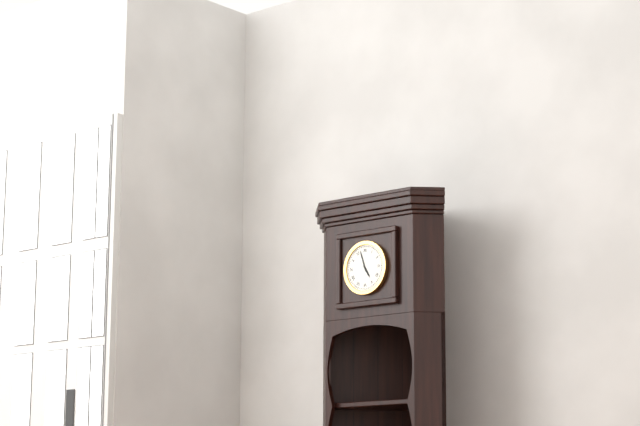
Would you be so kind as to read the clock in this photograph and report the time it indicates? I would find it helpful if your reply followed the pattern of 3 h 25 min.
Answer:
4 h 57 min
